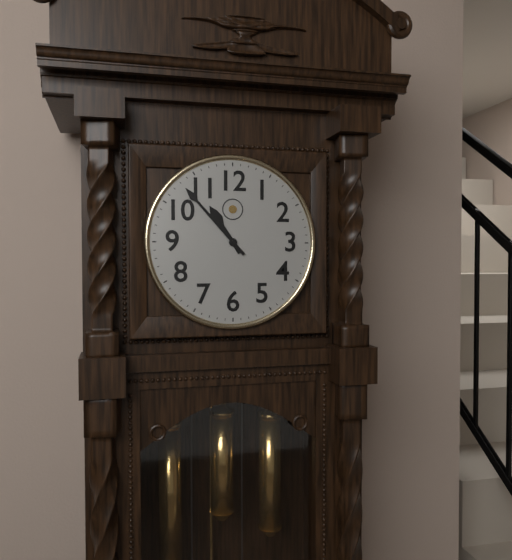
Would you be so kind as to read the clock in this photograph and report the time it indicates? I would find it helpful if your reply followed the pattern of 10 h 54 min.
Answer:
10 h 53 min
